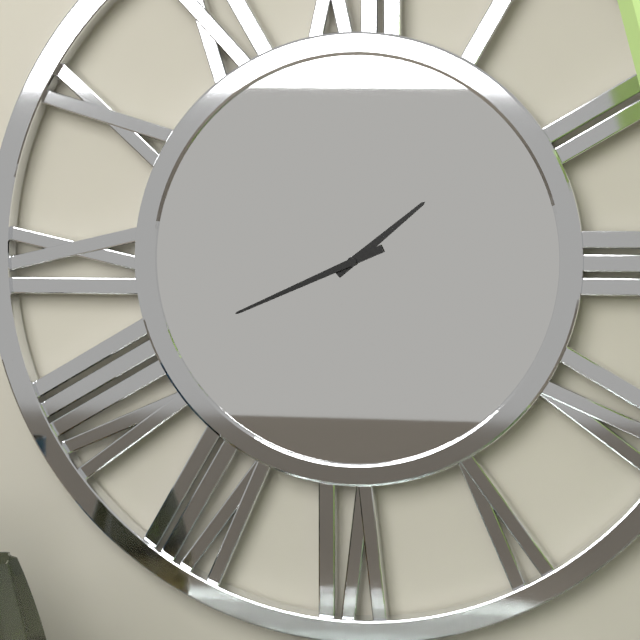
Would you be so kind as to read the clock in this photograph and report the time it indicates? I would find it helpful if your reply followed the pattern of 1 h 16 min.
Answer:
1 h 41 min
